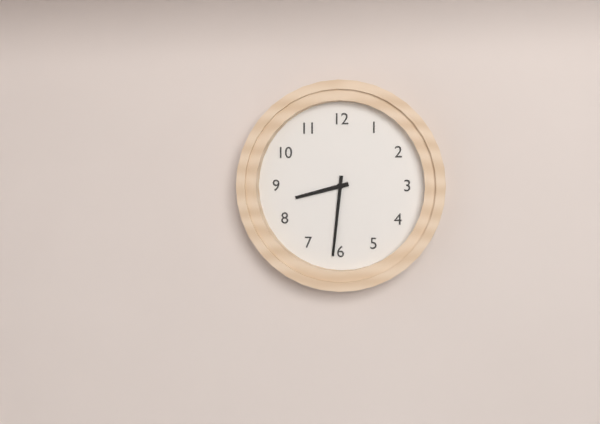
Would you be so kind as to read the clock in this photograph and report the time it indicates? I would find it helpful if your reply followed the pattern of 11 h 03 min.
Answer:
8 h 31 min
